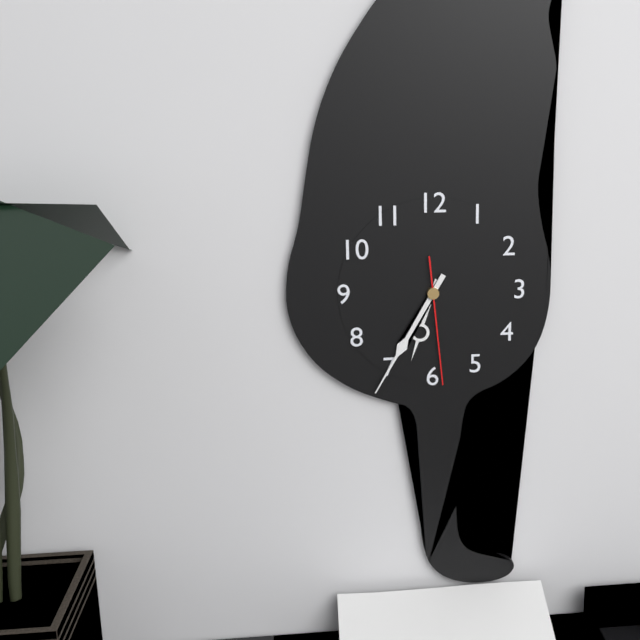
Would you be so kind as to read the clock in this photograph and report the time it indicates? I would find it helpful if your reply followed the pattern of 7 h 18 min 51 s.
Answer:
6 h 35 min 29 s
